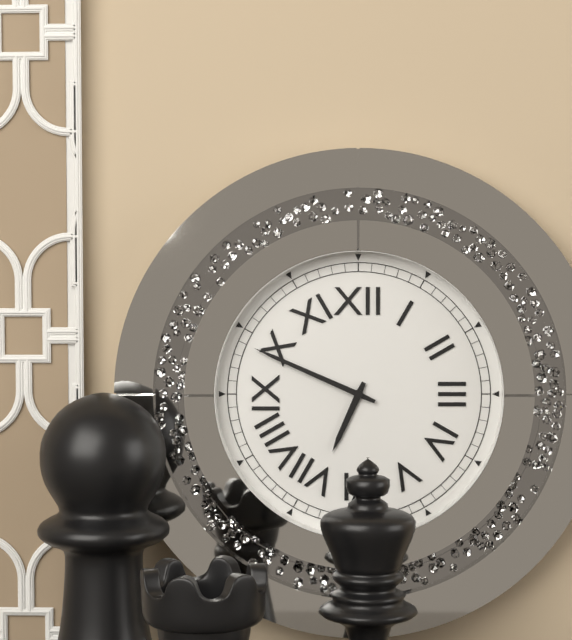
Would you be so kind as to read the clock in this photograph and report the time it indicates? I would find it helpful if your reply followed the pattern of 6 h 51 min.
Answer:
6 h 49 min
